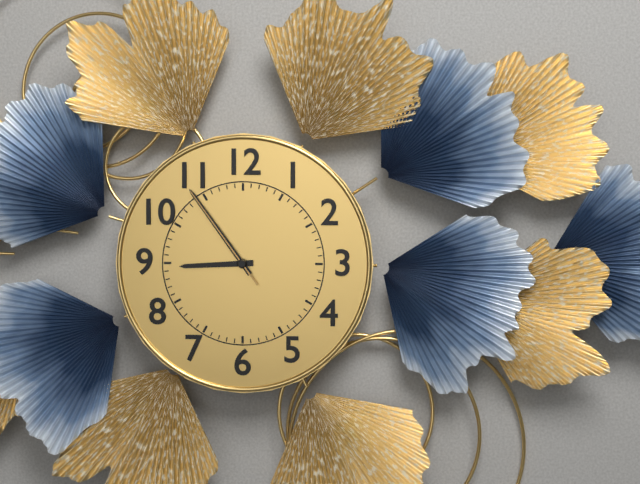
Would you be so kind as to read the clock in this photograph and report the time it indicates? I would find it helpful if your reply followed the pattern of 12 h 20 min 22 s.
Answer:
8 h 54 min 54 s
